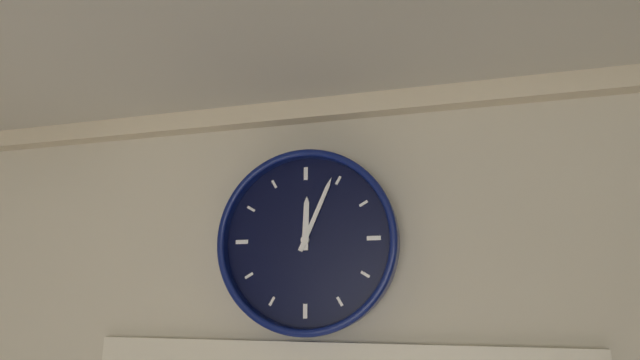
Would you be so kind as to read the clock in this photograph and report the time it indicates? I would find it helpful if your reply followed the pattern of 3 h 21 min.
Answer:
12 h 04 min
